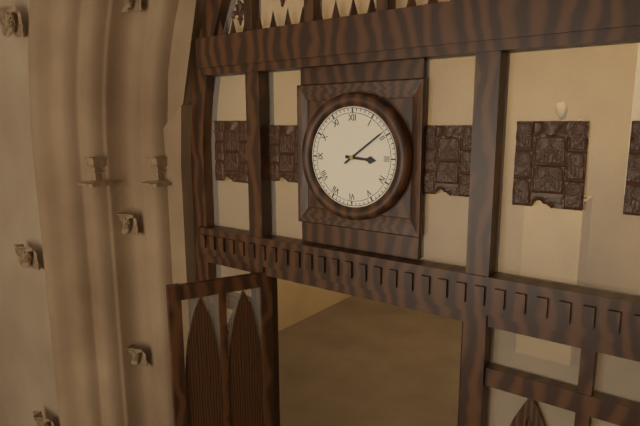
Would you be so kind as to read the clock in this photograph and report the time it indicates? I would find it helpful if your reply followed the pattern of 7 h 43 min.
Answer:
3 h 09 min
